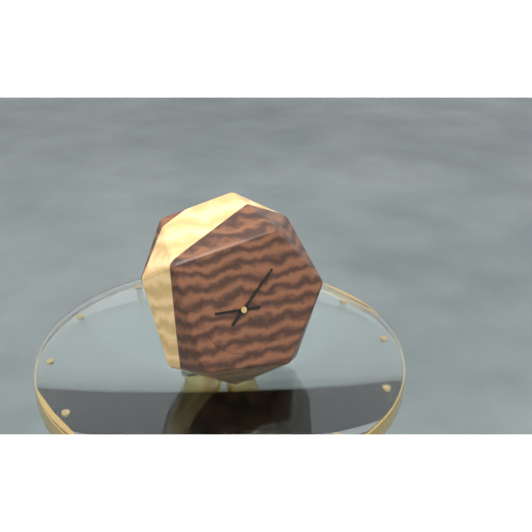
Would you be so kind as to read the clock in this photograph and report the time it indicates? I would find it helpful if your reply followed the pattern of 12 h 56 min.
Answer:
9 h 08 min
